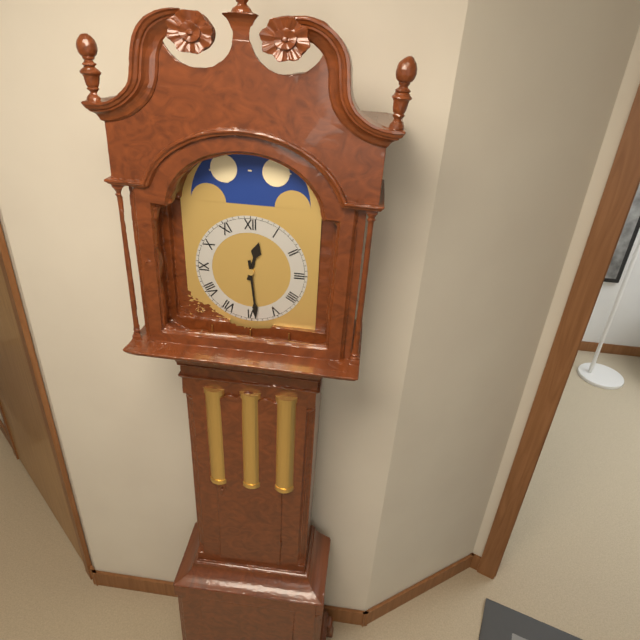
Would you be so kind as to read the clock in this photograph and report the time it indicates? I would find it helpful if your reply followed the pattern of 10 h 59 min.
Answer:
12 h 29 min
